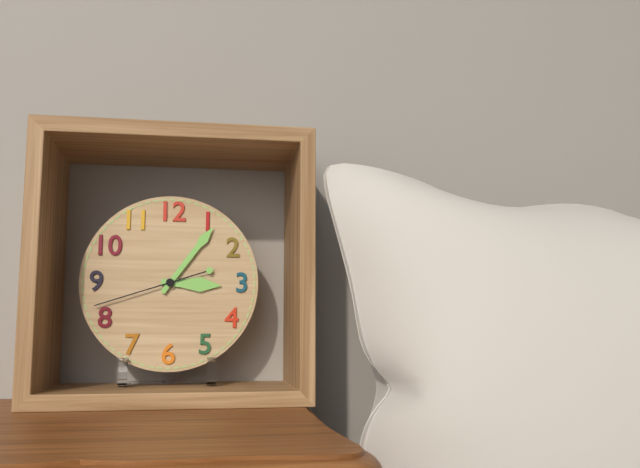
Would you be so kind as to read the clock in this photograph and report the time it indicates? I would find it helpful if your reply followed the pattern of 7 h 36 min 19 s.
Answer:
3 h 06 min 42 s
